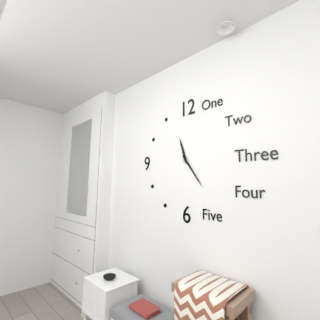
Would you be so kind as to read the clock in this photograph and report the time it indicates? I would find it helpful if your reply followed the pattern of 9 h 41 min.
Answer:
11 h 24 min
